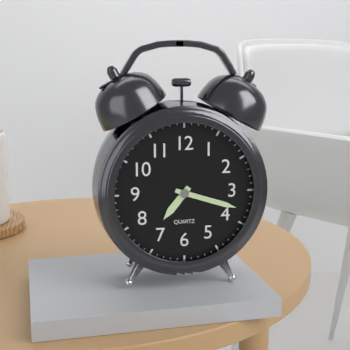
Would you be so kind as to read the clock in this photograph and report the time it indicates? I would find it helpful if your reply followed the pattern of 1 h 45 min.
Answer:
7 h 18 min
